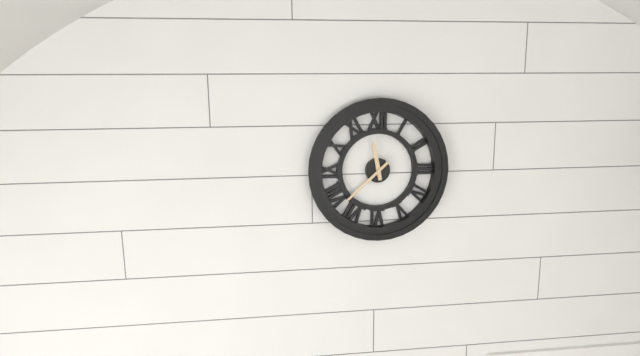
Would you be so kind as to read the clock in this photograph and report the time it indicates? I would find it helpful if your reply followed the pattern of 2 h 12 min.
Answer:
11 h 38 min
